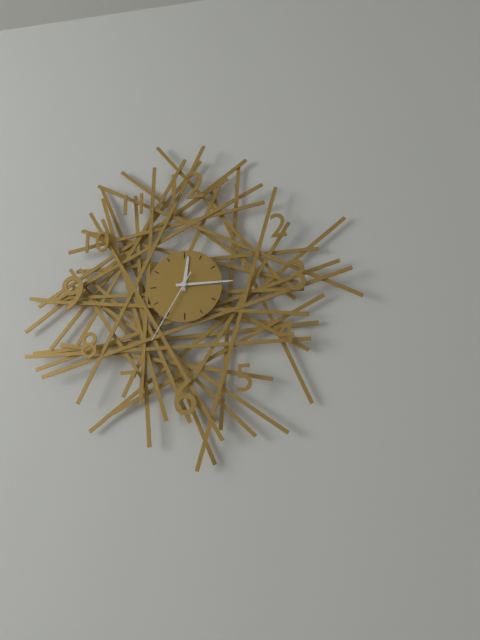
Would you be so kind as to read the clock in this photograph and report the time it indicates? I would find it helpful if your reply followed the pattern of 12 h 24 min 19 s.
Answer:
12 h 15 min 35 s
